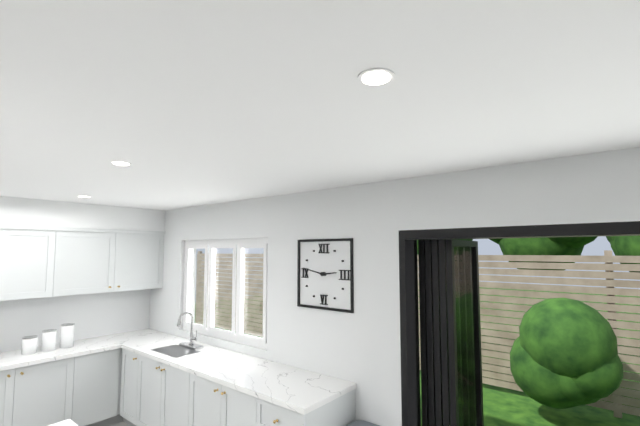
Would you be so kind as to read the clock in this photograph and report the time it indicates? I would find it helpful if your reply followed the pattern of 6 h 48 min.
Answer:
2 h 47 min
